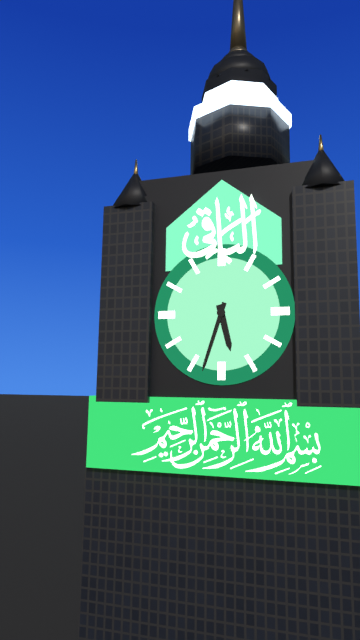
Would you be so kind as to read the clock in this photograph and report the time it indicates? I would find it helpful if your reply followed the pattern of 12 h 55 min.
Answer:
5 h 33 min
